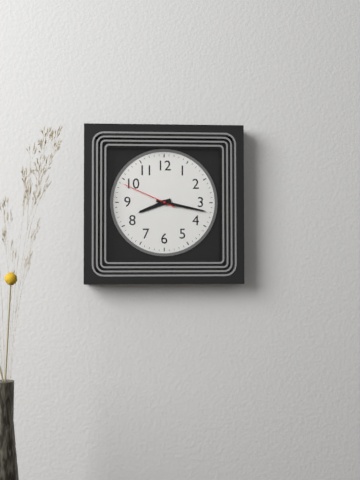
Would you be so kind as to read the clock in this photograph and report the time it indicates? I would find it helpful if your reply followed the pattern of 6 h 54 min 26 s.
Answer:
8 h 17 min 49 s
